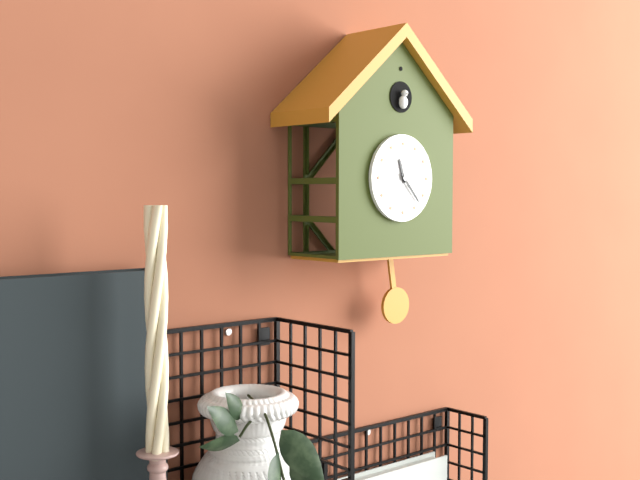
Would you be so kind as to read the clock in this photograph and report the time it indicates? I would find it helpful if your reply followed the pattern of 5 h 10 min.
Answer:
11 h 23 min
